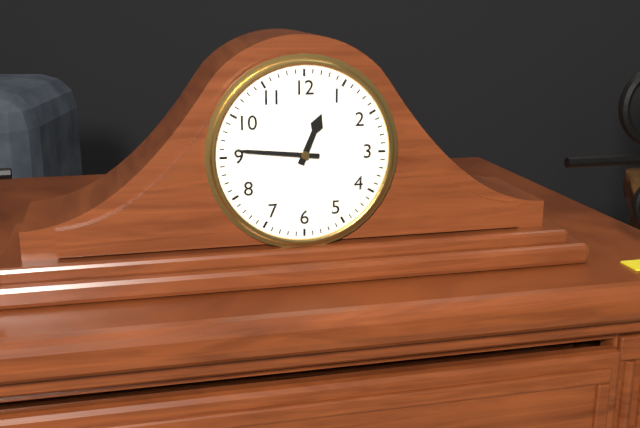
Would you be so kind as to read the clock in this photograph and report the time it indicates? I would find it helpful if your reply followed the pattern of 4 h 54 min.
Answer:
12 h 46 min
